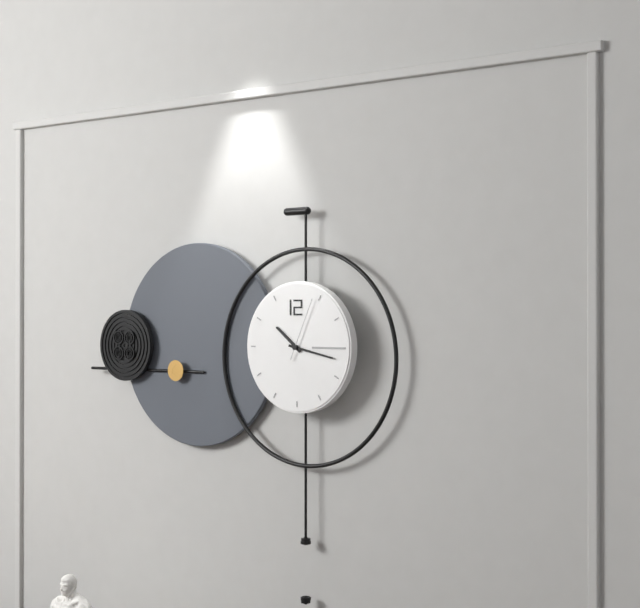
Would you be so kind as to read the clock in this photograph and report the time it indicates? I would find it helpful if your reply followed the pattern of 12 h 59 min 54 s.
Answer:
10 h 17 min 04 s
